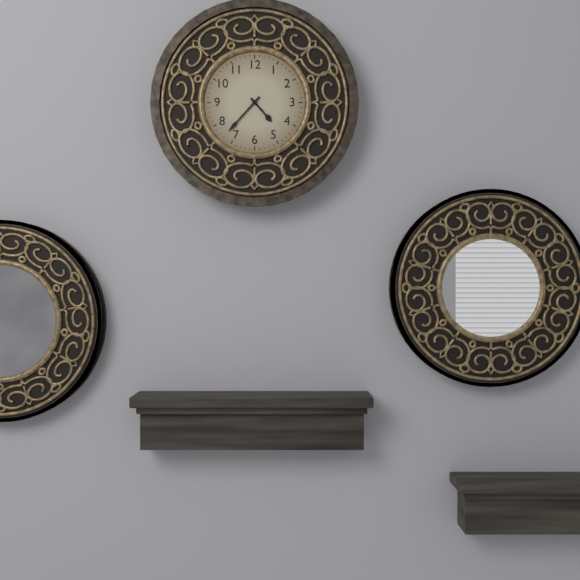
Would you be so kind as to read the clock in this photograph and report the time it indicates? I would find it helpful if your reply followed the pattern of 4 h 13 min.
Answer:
4 h 37 min
